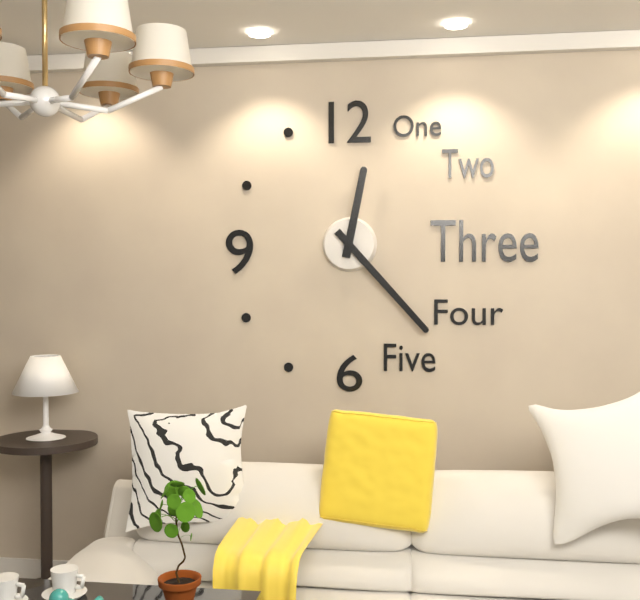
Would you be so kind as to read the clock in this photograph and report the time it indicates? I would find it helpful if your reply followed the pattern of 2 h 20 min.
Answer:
12 h 23 min
